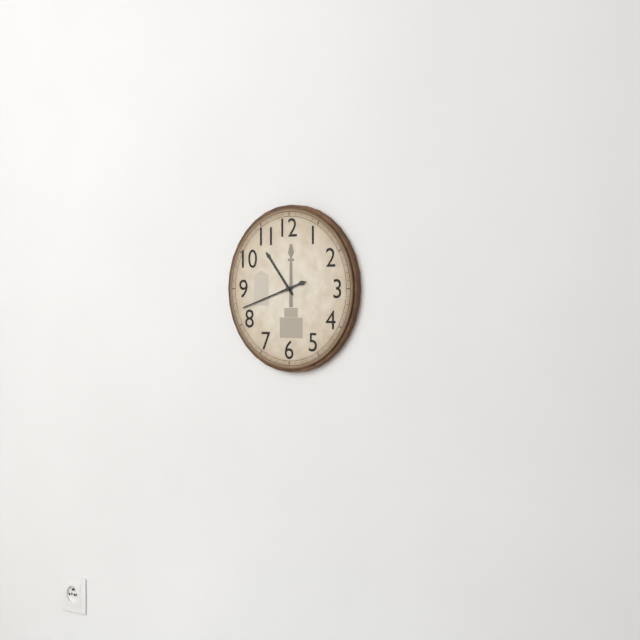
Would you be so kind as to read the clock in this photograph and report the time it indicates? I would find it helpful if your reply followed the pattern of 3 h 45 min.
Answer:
10 h 42 min
